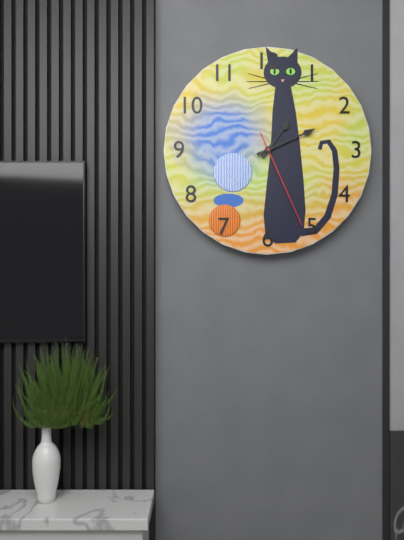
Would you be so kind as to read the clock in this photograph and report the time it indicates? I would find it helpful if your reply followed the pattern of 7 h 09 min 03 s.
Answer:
1 h 11 min 26 s
